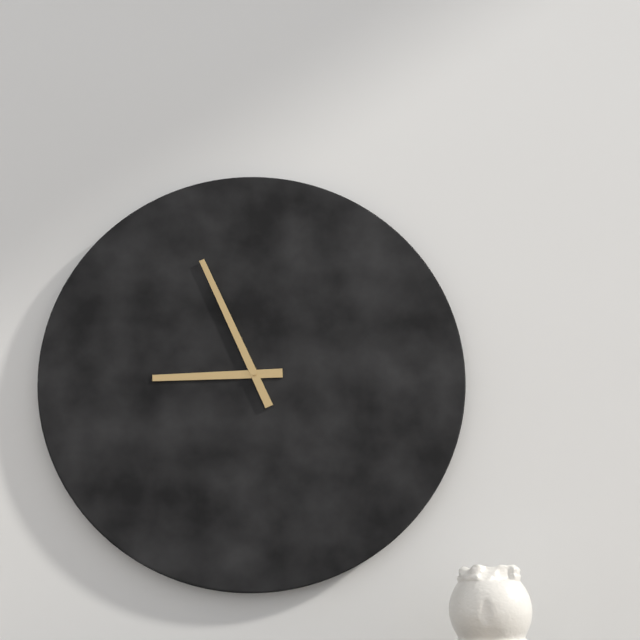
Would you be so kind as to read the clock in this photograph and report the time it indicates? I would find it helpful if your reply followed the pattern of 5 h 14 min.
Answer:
8 h 56 min
